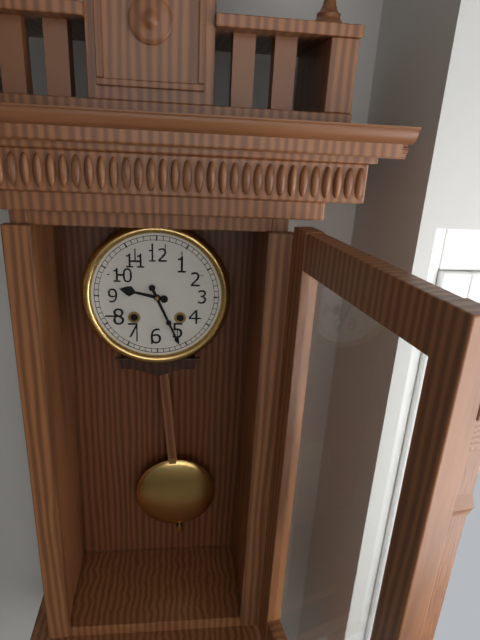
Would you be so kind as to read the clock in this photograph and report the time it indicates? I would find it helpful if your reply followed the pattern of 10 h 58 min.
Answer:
9 h 26 min
